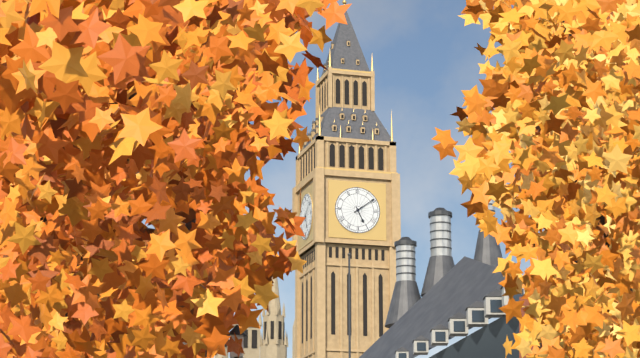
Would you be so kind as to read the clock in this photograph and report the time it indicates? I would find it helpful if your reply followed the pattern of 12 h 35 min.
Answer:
5 h 09 min
